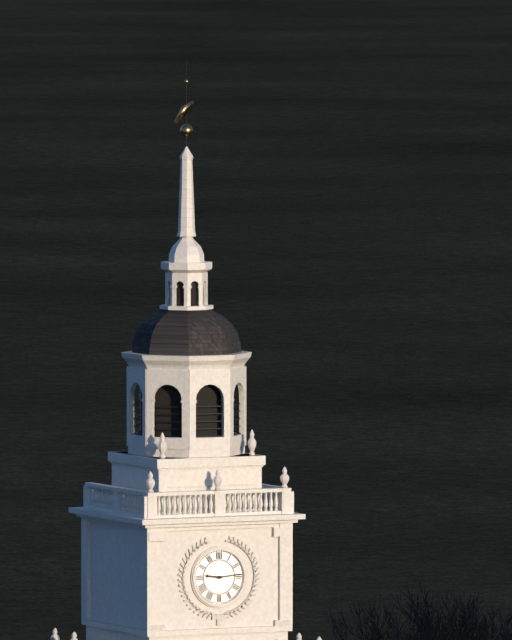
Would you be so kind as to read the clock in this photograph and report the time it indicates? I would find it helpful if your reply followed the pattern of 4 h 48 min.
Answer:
9 h 14 min
